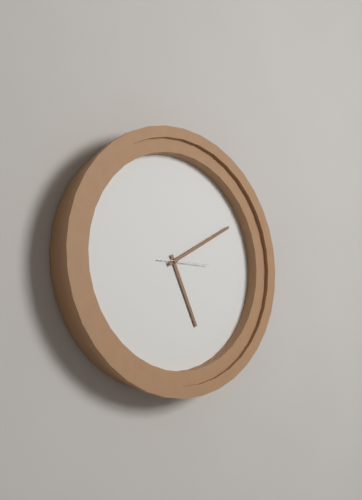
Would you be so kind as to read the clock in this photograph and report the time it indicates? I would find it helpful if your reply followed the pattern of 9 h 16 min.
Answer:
5 h 10 min
